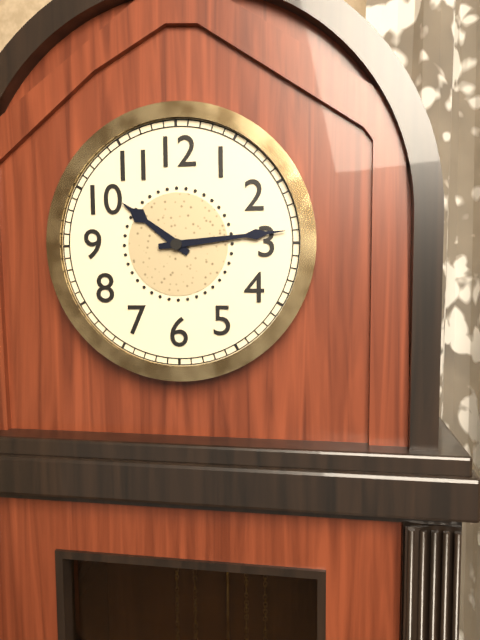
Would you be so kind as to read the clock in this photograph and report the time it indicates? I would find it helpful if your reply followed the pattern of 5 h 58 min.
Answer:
10 h 14 min
